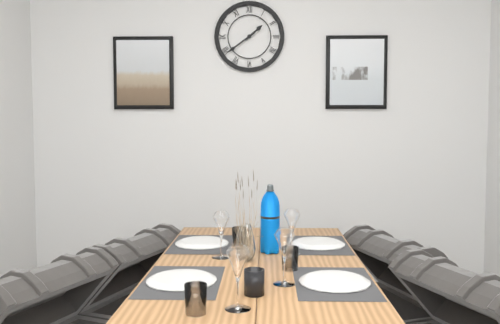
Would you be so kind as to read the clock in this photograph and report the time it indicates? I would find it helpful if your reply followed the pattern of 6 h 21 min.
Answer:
1 h 39 min
